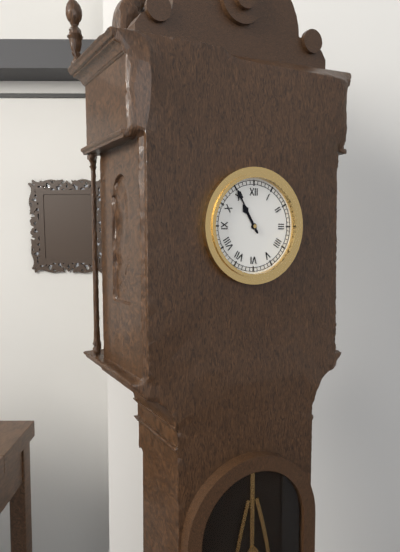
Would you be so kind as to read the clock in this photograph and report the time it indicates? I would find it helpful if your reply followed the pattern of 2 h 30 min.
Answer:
10 h 55 min
